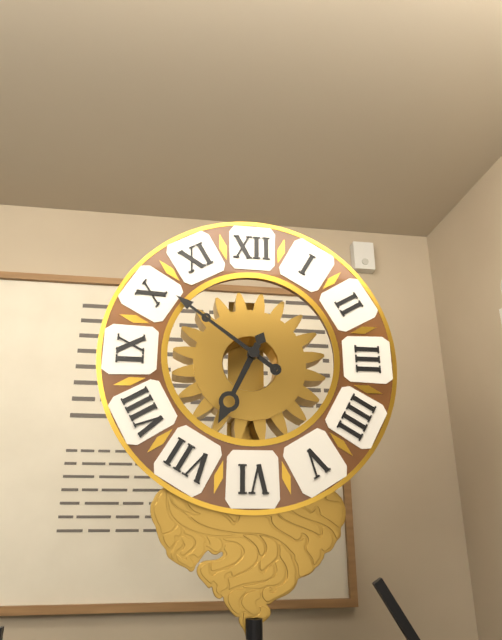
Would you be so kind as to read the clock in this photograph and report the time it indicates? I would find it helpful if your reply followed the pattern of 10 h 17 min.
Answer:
6 h 51 min
